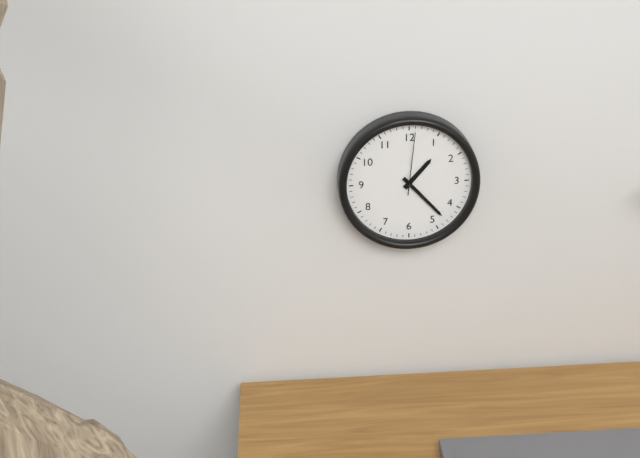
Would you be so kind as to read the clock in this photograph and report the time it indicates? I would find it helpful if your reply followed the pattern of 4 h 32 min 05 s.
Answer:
1 h 23 min 01 s
